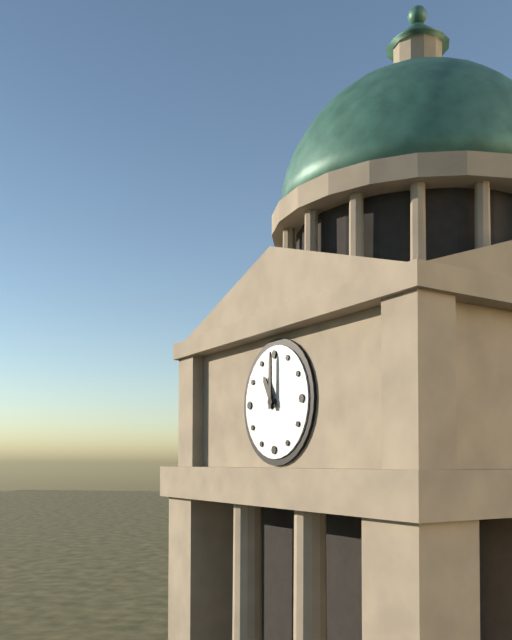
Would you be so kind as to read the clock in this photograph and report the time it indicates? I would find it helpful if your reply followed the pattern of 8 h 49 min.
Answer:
11 h 00 min
